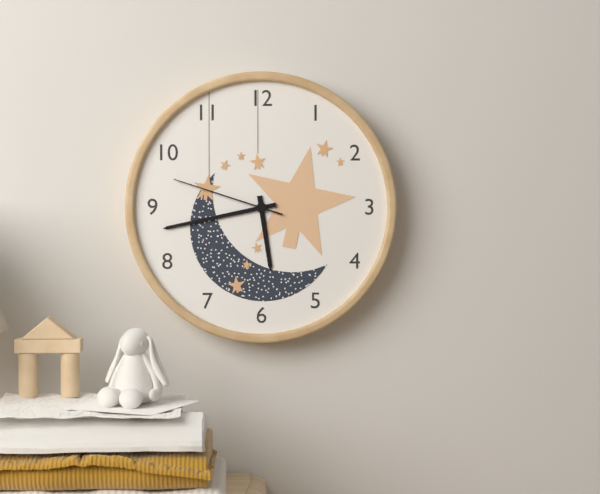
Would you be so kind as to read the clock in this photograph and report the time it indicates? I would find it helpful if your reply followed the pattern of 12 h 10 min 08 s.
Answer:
5 h 43 min 48 s
